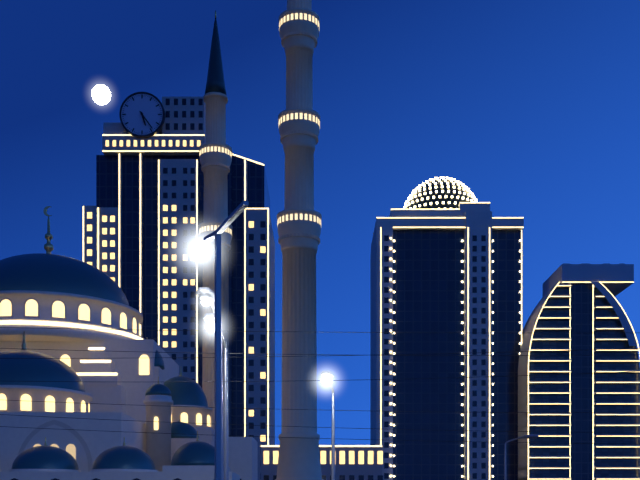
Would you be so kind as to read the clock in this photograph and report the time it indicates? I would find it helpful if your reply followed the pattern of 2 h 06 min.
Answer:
5 h 24 min
